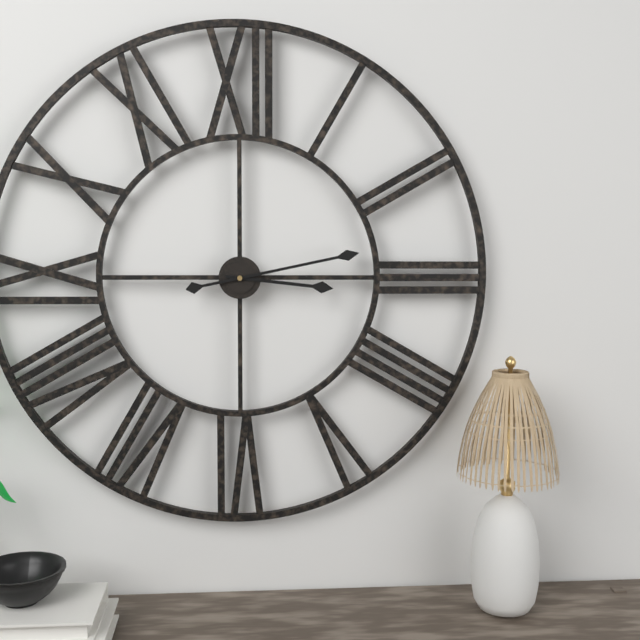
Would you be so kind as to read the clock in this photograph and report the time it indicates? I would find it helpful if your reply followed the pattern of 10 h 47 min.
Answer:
3 h 13 min
